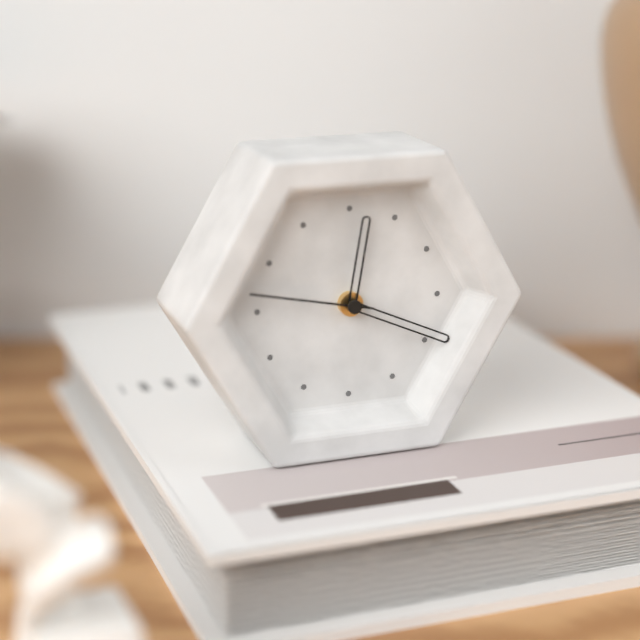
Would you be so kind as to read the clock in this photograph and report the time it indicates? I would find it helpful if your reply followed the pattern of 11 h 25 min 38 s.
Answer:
12 h 19 min 47 s
